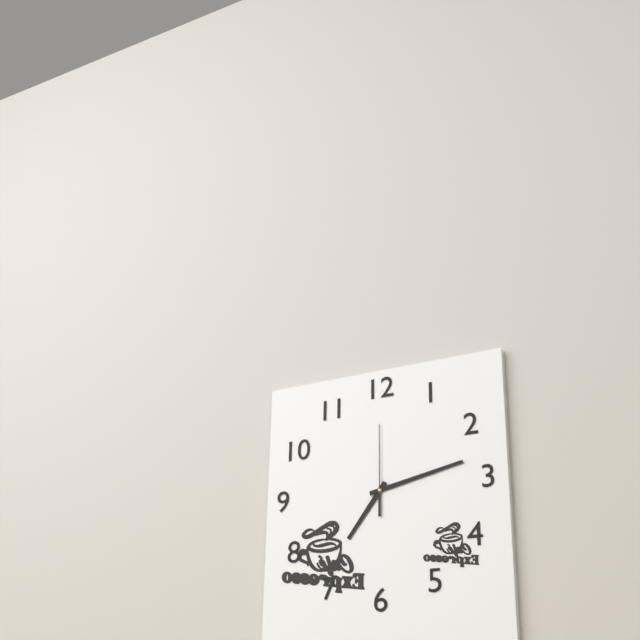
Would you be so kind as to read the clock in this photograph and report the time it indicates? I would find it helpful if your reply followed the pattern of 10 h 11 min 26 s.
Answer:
7 h 13 min 00 s
